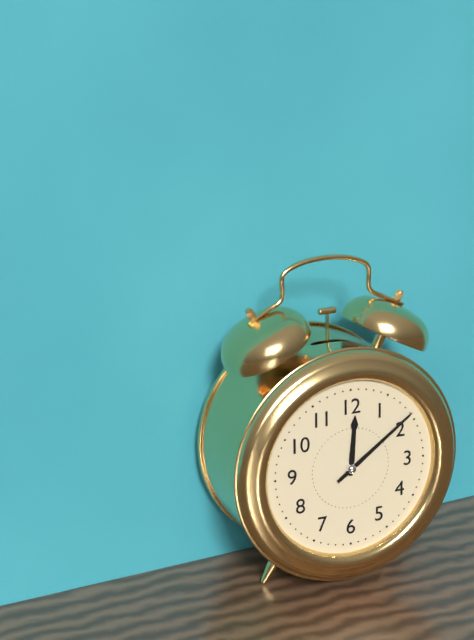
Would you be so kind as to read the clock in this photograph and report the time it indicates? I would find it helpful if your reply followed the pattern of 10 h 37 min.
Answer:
12 h 09 min
